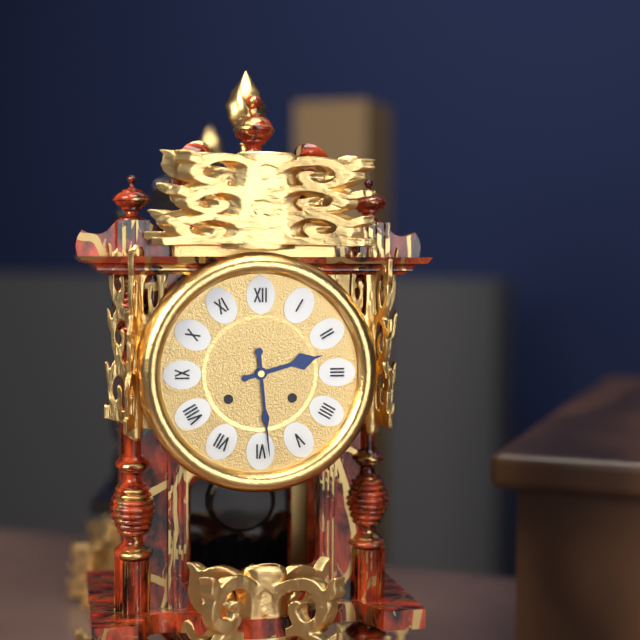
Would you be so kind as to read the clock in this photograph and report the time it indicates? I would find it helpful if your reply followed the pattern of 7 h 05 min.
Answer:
2 h 29 min
